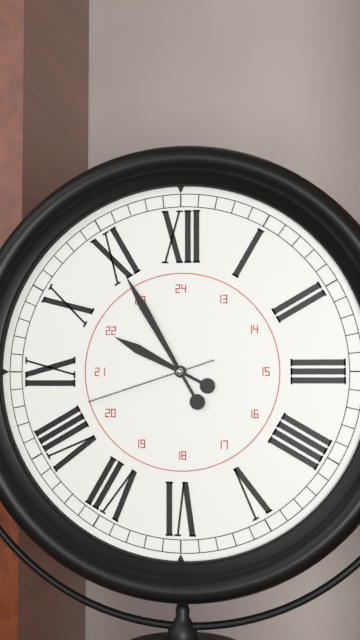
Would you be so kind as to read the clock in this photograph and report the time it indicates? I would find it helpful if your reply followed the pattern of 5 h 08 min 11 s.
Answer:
9 h 55 min 42 s
